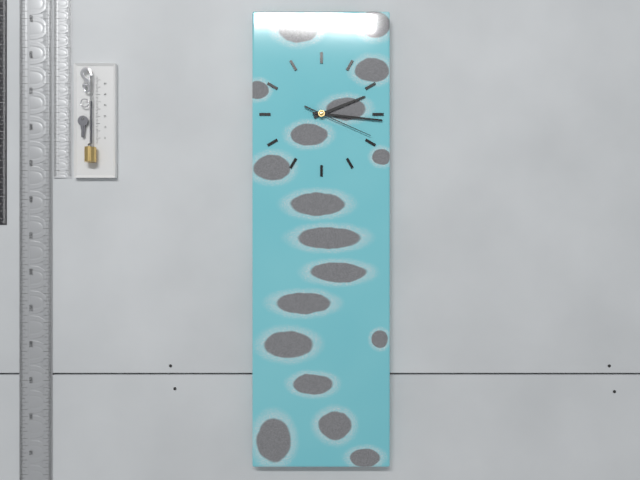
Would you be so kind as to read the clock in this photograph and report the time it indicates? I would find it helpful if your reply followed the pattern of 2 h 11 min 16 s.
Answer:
2 h 16 min 19 s
